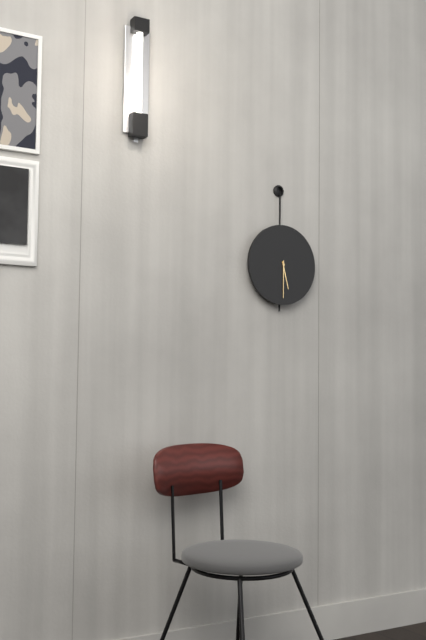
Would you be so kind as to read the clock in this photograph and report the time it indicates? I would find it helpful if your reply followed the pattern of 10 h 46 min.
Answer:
5 h 30 min
